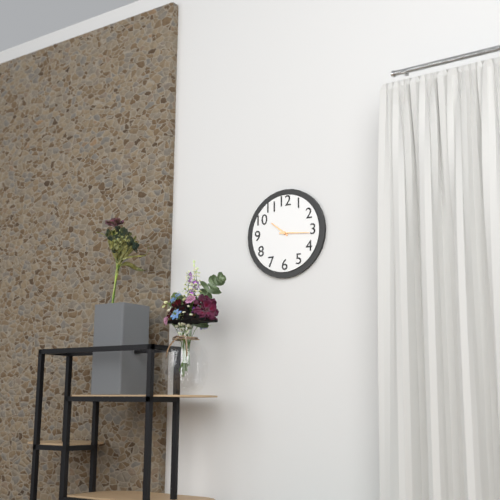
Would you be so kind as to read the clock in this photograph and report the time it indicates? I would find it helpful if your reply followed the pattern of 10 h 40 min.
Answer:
10 h 16 min
